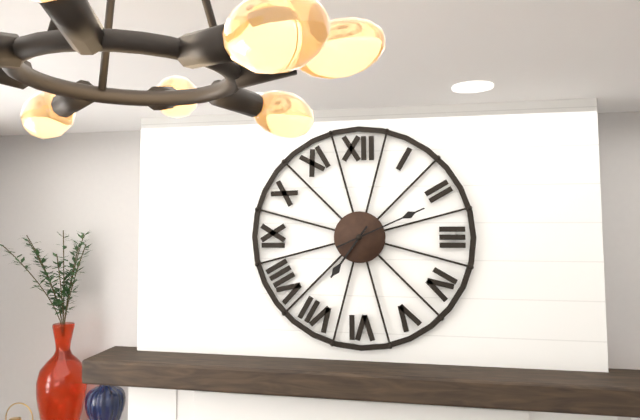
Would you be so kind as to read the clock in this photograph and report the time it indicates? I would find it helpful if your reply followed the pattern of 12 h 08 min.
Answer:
7 h 11 min
